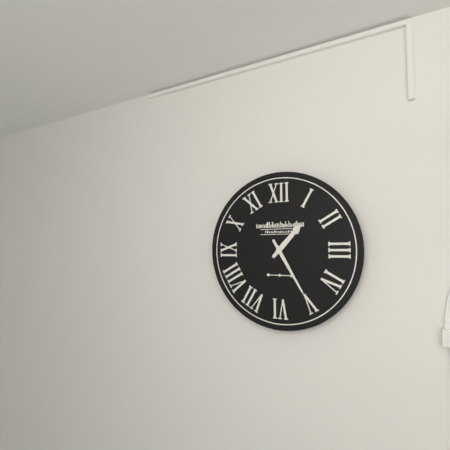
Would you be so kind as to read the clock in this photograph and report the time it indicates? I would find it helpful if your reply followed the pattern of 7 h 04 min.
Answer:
1 h 25 min
